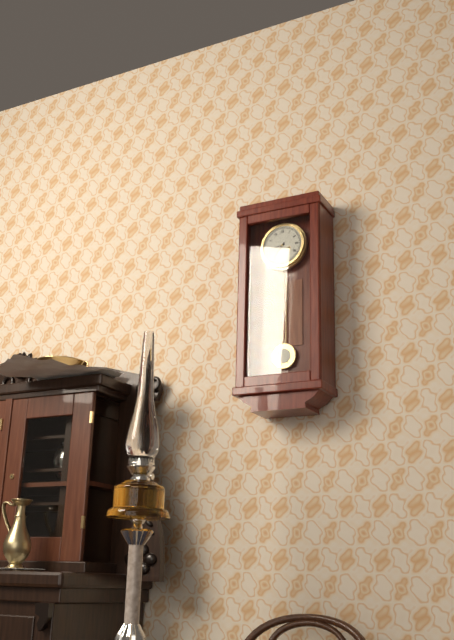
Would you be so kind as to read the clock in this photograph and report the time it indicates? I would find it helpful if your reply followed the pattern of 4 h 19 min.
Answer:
8 h 36 min
